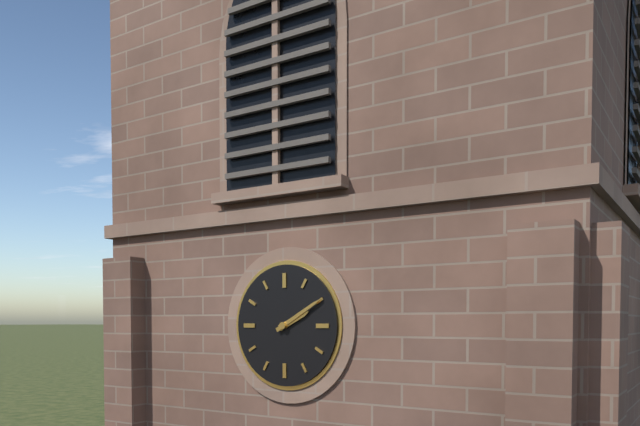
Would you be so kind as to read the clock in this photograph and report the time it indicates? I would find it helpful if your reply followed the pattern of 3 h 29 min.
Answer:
2 h 10 min
